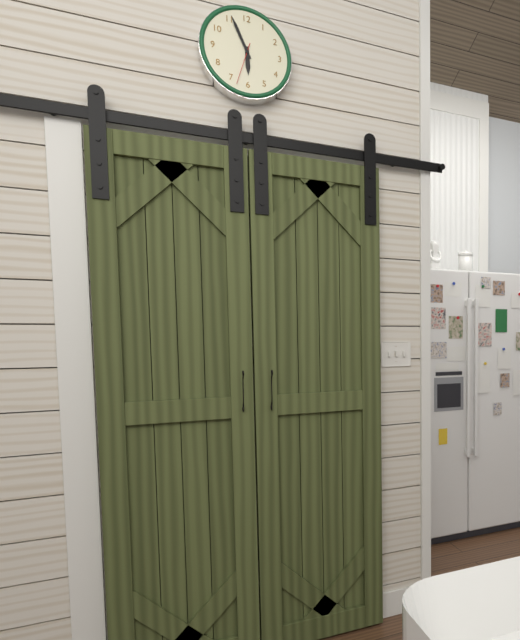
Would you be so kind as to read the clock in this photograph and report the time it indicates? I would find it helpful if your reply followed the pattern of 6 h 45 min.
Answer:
5 h 56 min
